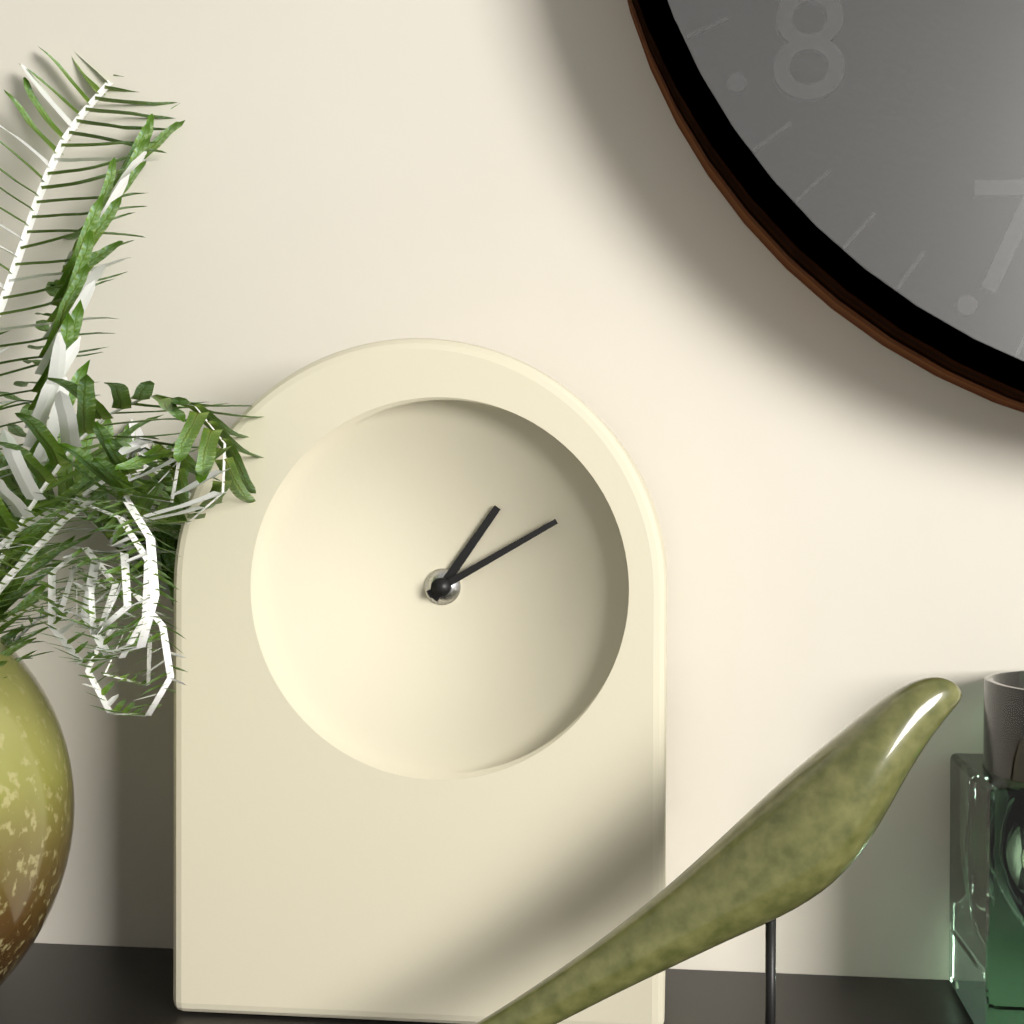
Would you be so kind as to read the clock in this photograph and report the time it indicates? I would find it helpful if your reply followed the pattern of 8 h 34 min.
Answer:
1 h 10 min
